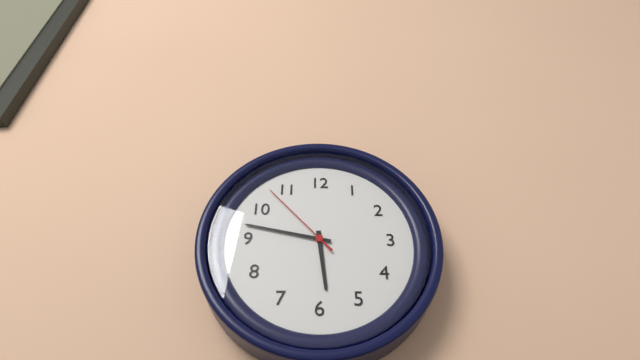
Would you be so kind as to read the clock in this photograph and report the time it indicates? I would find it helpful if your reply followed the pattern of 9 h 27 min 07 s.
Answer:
5 h 47 min 53 s
